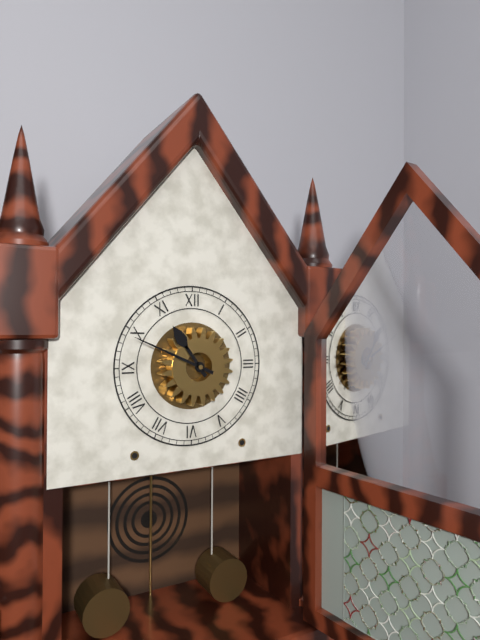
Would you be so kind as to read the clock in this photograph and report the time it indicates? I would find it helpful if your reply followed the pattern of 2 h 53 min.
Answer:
10 h 49 min
